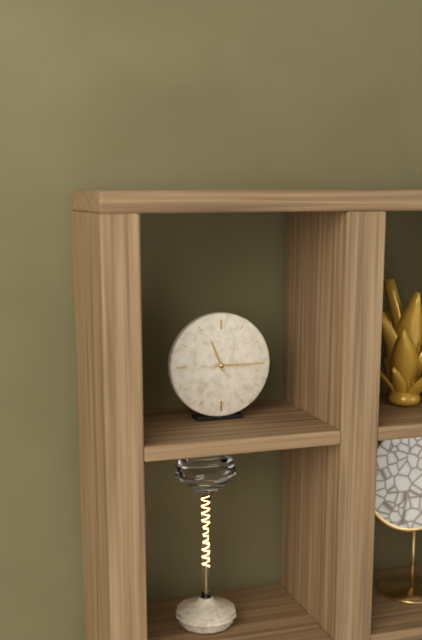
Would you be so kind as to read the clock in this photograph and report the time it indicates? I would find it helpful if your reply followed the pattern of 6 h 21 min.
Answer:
11 h 15 min
